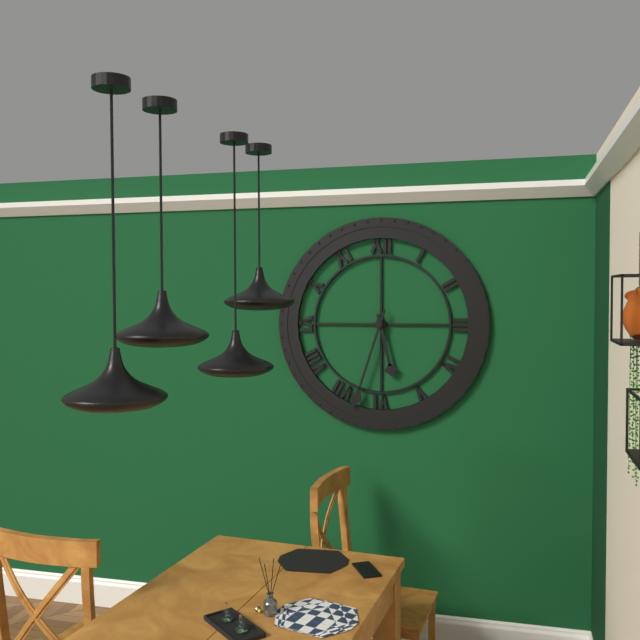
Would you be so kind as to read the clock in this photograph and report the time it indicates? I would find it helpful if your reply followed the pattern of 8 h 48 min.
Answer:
5 h 33 min
